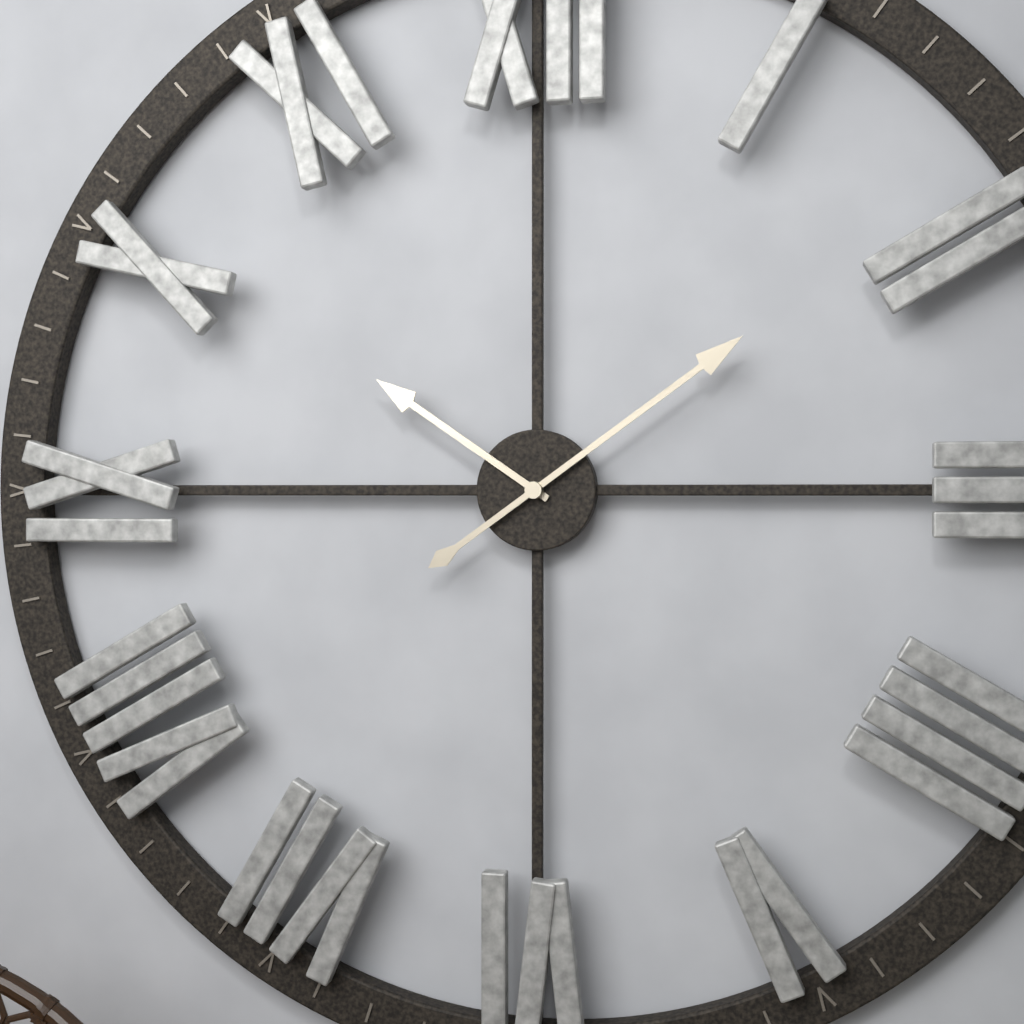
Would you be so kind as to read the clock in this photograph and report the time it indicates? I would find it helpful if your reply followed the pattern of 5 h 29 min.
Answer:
10 h 09 min
